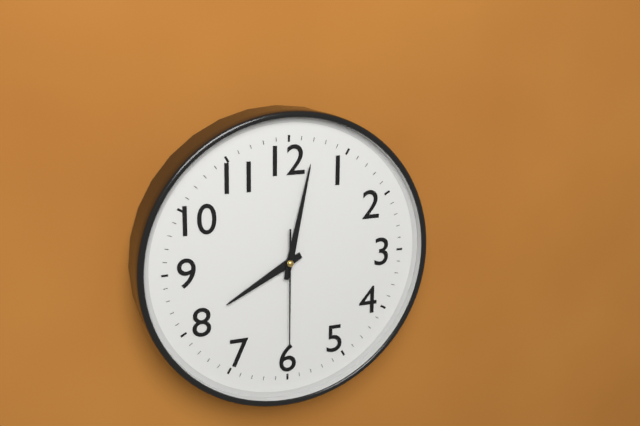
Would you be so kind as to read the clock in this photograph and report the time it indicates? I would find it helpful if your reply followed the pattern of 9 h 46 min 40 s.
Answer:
8 h 02 min 30 s
